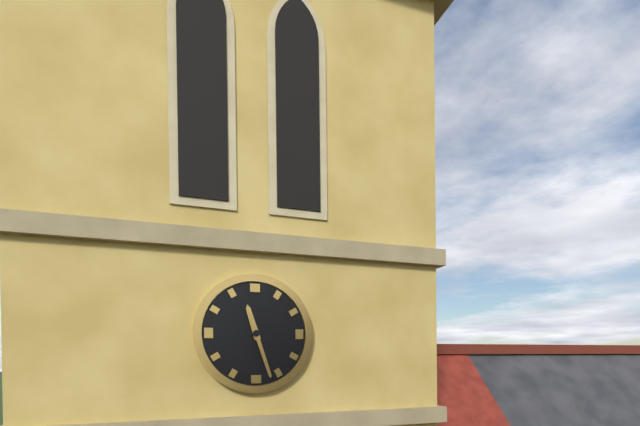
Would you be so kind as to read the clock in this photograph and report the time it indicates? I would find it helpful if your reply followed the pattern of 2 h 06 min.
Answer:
11 h 27 min
